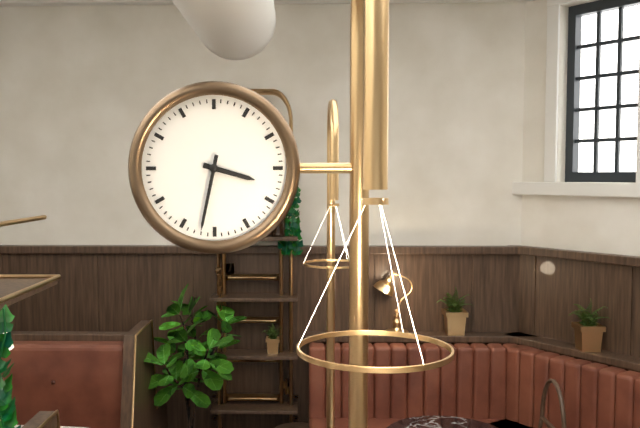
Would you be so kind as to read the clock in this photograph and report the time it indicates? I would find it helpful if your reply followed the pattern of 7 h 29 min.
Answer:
3 h 32 min
